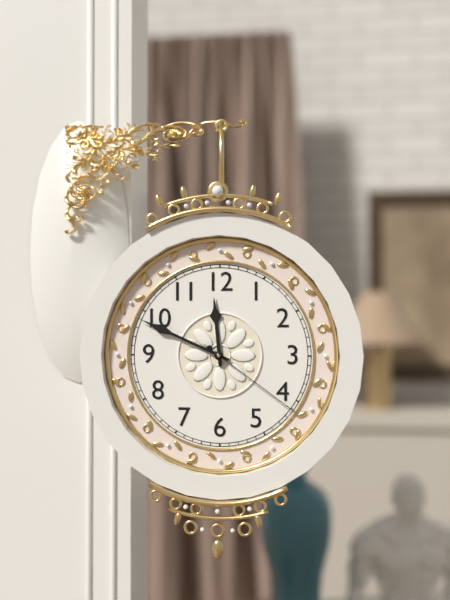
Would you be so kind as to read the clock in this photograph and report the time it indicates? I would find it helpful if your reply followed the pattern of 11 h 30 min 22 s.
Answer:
11 h 49 min 21 s
